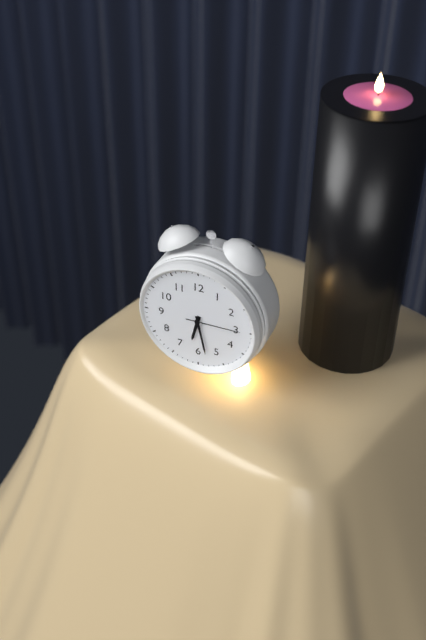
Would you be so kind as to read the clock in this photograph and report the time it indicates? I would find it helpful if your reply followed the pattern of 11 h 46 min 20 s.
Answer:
6 h 28 min 15 s
